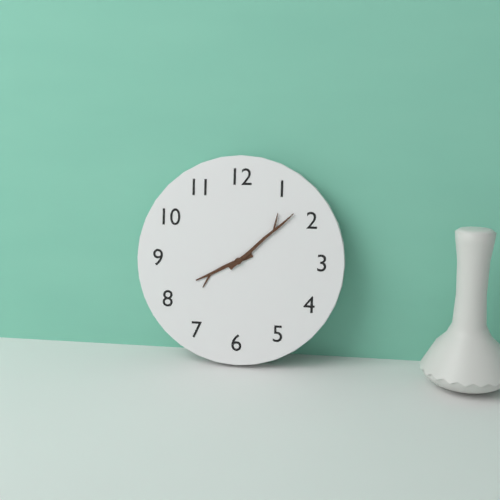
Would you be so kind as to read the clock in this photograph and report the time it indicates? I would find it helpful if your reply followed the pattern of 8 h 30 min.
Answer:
8 h 08 min
